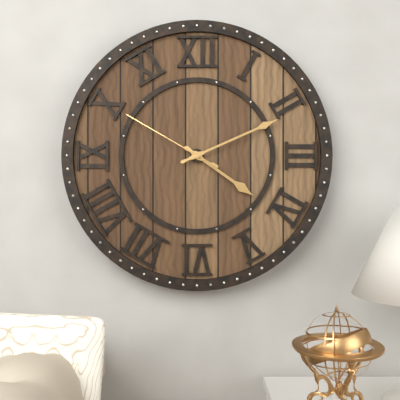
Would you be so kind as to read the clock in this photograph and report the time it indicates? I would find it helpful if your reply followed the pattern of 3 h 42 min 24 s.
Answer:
4 h 11 min 50 s
